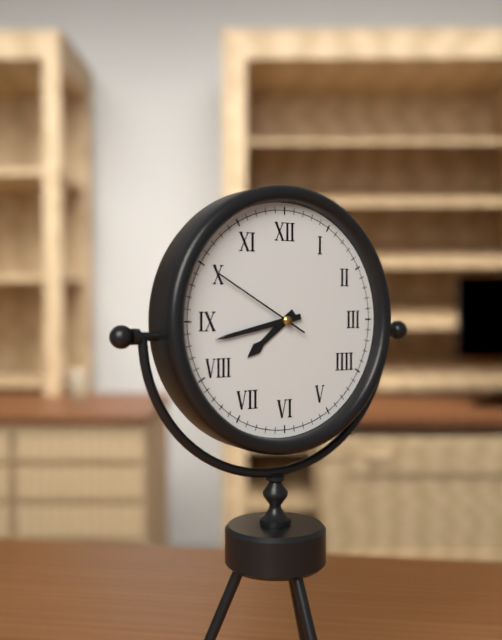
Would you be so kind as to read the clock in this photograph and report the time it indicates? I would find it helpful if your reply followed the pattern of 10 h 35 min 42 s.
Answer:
7 h 43 min 50 s
